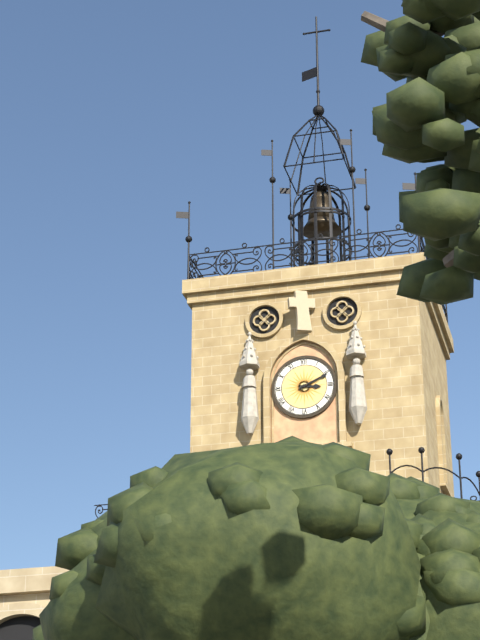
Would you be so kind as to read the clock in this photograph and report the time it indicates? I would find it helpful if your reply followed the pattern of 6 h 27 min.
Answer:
3 h 11 min
